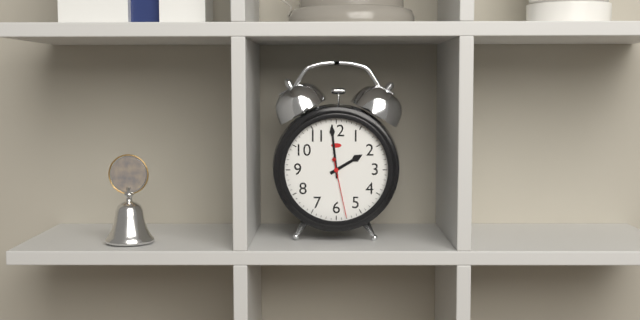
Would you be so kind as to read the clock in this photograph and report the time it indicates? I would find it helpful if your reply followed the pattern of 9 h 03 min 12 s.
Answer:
1 h 59 min 28 s
